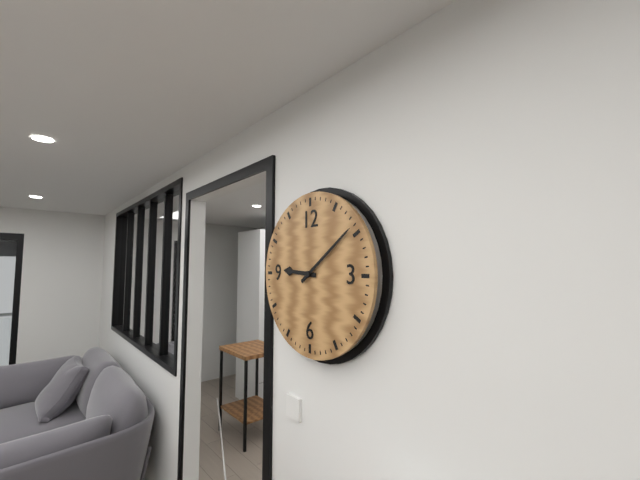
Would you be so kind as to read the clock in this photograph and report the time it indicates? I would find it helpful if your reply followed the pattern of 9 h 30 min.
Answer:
9 h 09 min
